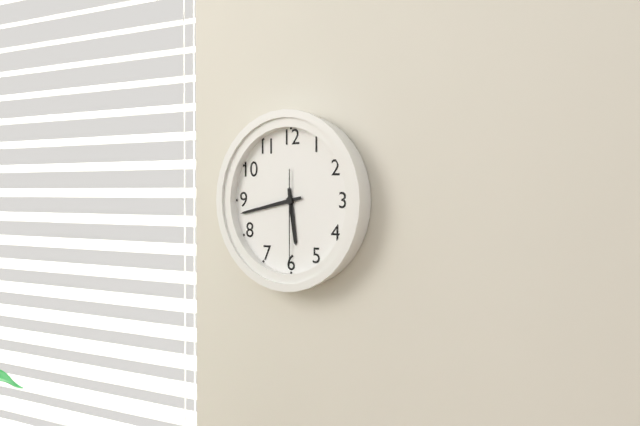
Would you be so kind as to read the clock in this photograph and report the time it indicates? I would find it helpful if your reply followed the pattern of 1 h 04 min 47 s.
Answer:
5 h 43 min 30 s
